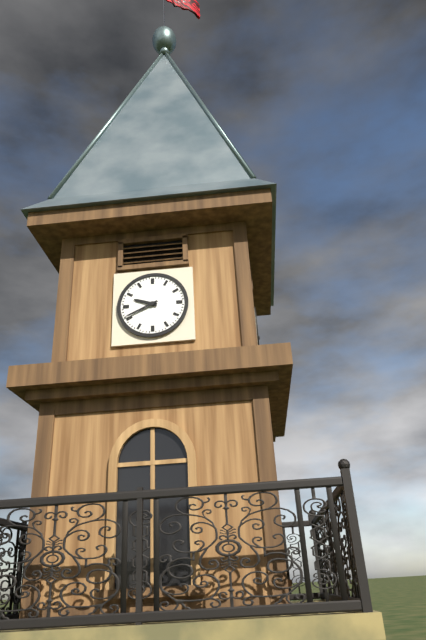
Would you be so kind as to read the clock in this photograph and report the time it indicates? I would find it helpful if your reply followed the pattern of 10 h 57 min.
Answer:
9 h 41 min
